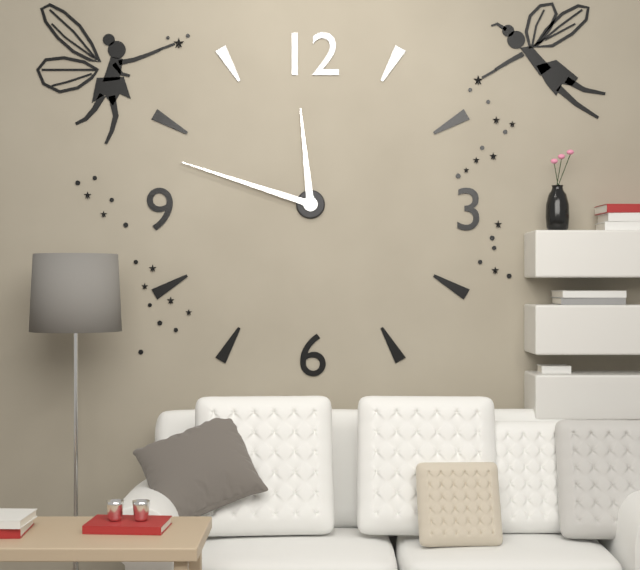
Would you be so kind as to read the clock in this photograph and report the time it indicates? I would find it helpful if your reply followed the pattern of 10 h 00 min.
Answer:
11 h 48 min
